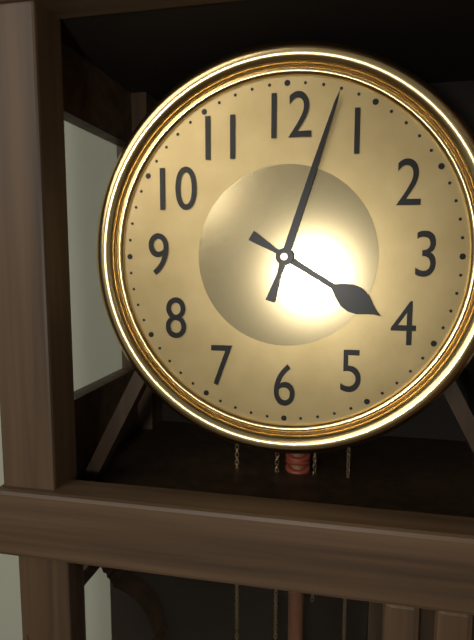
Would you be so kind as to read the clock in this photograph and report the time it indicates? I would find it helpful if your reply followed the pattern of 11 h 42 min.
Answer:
4 h 03 min
